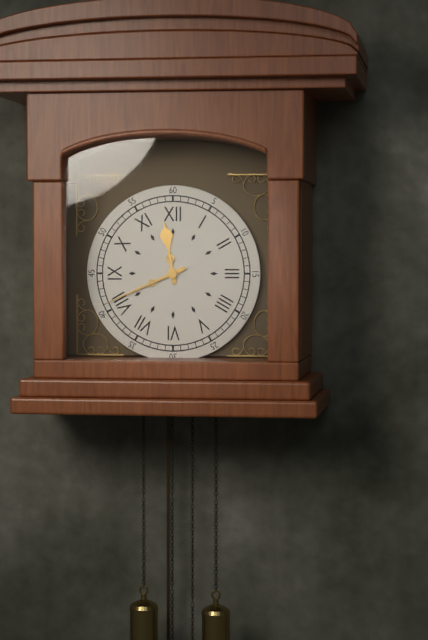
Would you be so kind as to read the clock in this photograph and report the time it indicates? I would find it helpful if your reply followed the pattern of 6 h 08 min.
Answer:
11 h 41 min
